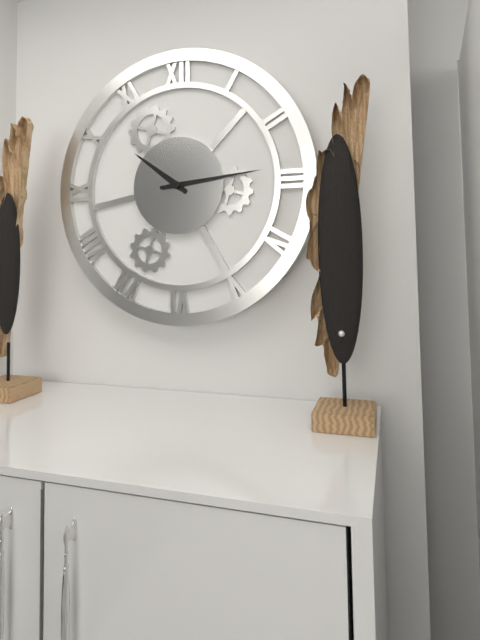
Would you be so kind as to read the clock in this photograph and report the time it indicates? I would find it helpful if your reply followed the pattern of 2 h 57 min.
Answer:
10 h 14 min
